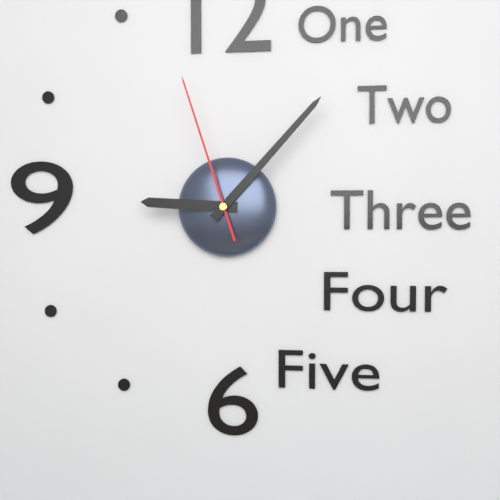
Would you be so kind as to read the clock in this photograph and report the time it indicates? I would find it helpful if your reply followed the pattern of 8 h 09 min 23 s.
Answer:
9 h 07 min 57 s
